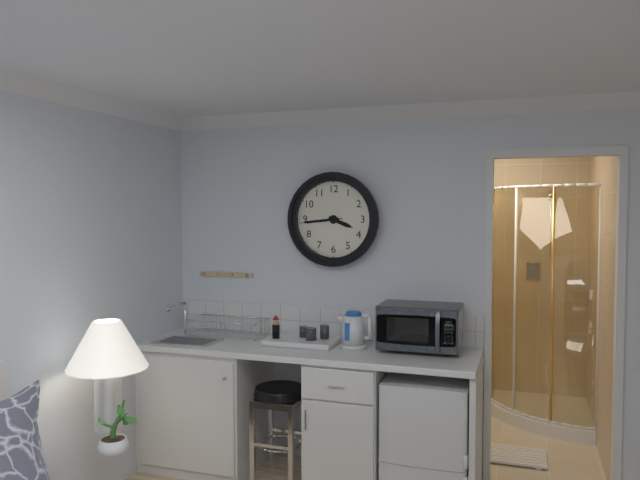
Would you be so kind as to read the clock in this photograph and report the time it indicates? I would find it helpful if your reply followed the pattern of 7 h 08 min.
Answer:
3 h 44 min
